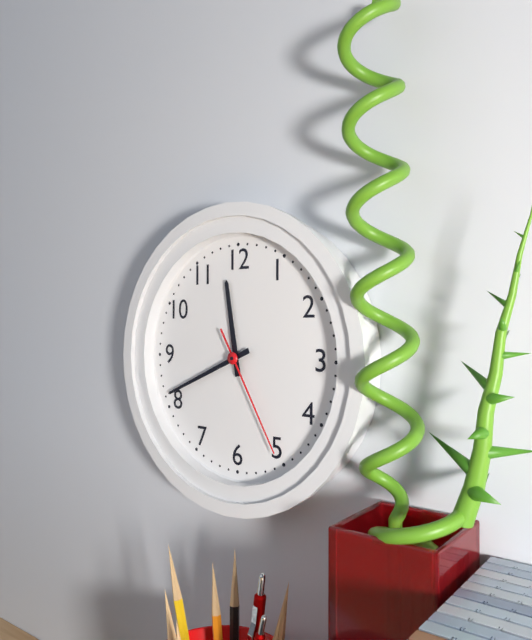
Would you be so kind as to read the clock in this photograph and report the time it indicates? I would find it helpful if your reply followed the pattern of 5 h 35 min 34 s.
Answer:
11 h 41 min 25 s
